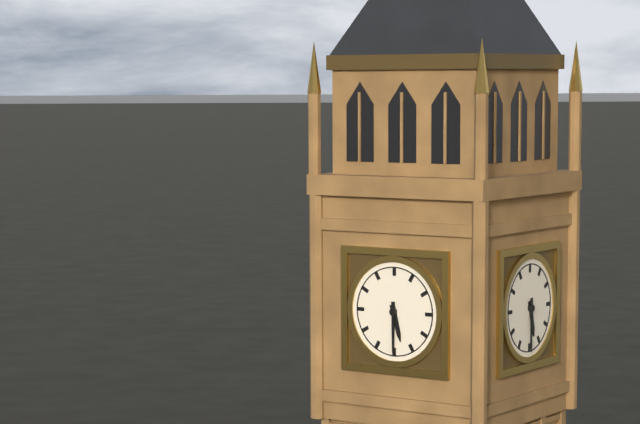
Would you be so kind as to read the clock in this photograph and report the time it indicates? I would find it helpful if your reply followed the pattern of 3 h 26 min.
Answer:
5 h 30 min
